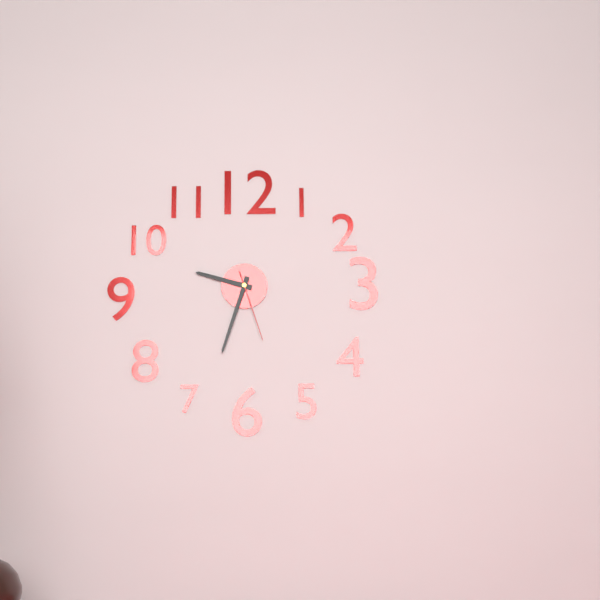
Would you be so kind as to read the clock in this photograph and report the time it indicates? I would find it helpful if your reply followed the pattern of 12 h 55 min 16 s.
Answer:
9 h 33 min 27 s
